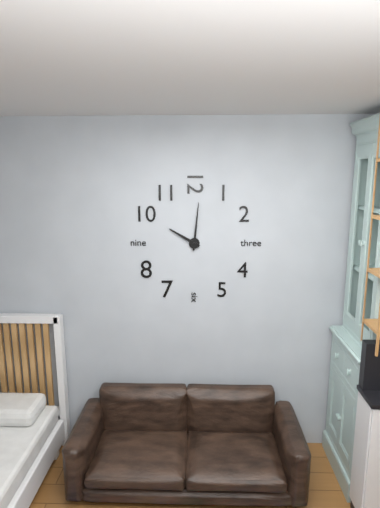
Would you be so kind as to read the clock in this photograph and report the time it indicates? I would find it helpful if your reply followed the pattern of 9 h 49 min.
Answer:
10 h 01 min
